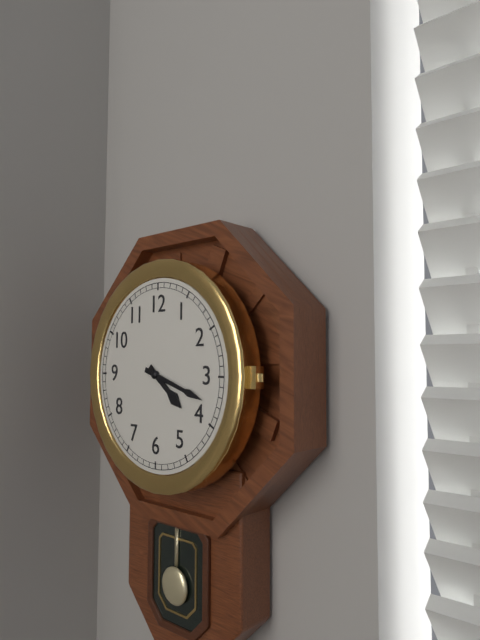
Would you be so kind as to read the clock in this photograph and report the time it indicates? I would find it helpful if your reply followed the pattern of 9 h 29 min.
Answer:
4 h 18 min
